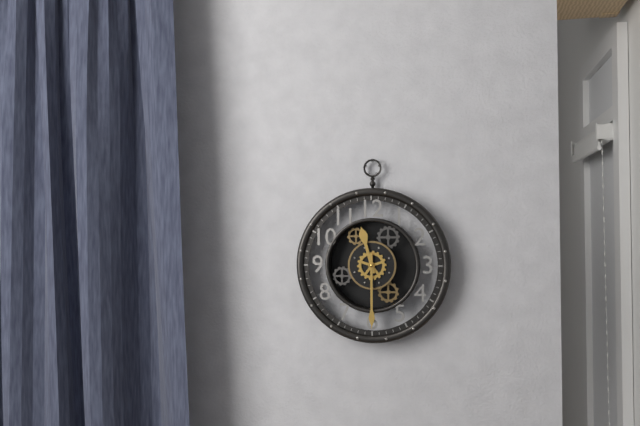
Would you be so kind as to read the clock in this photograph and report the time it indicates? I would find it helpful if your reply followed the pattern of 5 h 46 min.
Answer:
11 h 30 min
